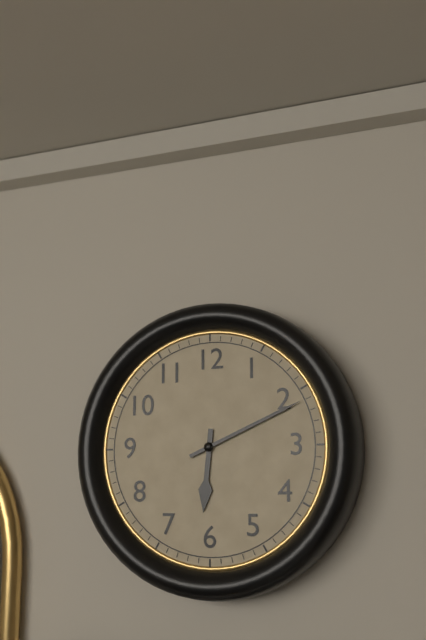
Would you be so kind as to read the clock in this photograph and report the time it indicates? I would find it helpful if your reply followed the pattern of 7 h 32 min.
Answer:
6 h 11 min
